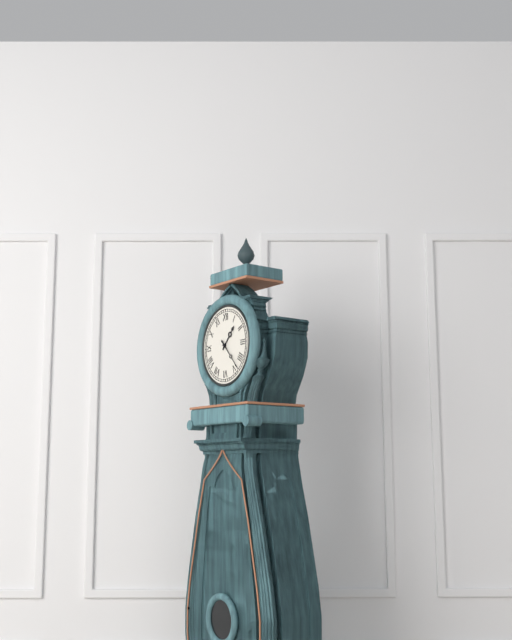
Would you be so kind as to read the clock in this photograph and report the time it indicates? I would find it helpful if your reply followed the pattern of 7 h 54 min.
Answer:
1 h 23 min
